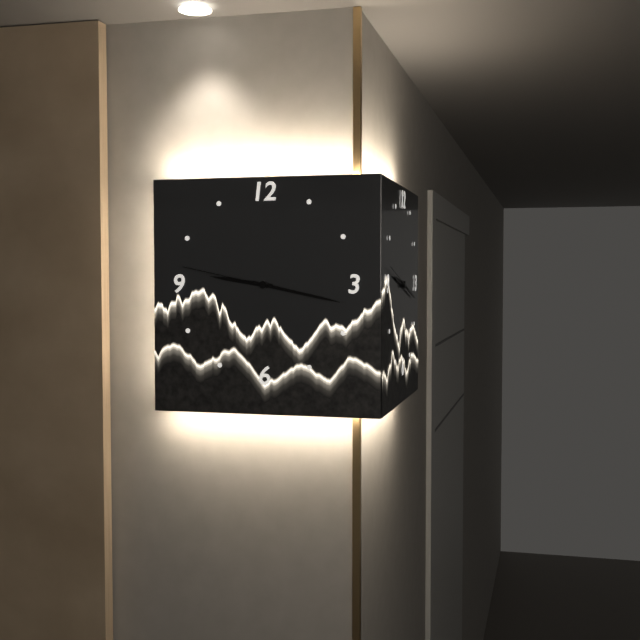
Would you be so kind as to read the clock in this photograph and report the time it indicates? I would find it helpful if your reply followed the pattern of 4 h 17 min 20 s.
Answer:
9 h 17 min 47 s
